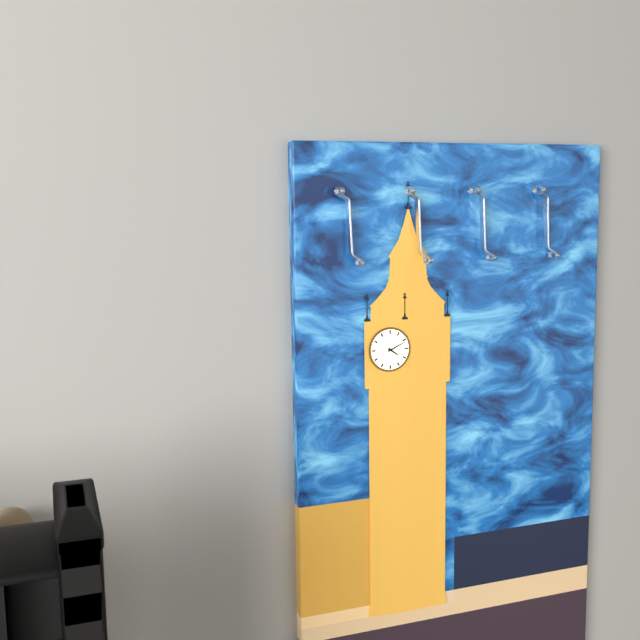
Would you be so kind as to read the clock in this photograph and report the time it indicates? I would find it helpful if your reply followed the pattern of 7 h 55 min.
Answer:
4 h 11 min
